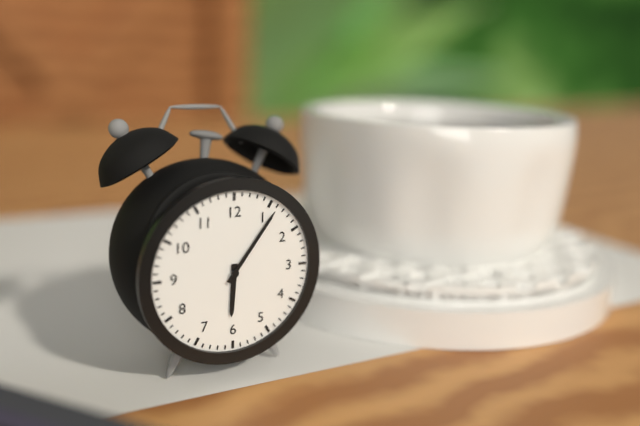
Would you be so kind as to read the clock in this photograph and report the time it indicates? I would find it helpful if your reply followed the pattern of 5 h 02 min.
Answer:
6 h 06 min
